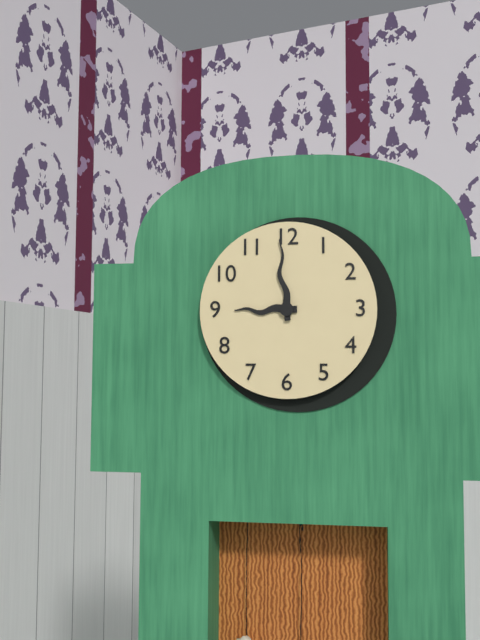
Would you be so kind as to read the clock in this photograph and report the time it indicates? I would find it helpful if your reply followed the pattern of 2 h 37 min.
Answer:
8 h 59 min
